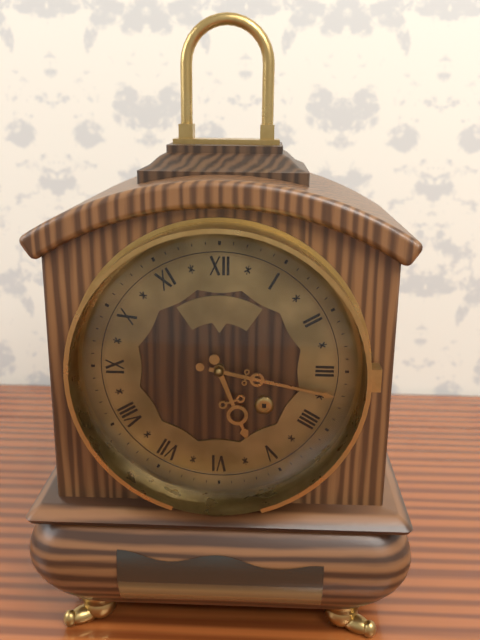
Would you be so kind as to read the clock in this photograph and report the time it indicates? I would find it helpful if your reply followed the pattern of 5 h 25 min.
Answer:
5 h 17 min
